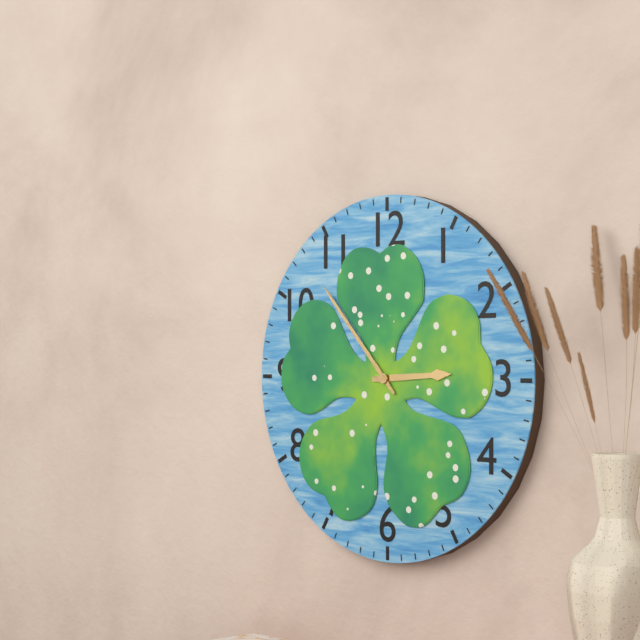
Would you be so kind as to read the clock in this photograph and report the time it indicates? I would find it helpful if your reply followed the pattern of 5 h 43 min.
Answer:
2 h 53 min
